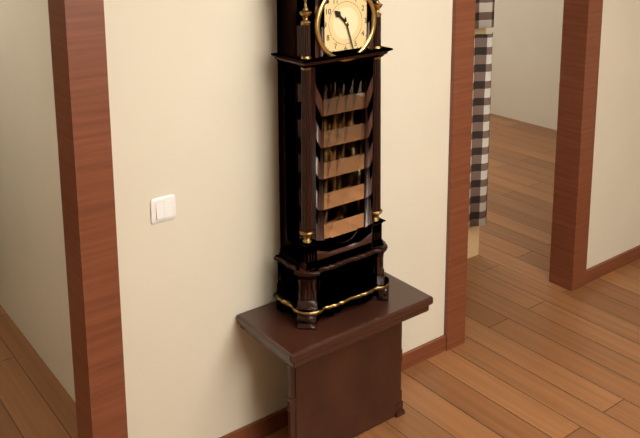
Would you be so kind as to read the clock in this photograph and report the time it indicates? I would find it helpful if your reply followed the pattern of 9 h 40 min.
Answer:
10 h 27 min
